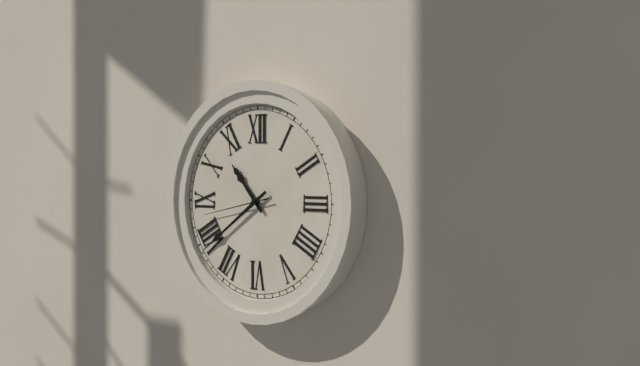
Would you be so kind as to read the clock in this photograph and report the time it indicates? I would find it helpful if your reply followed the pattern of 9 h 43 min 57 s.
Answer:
10 h 39 min 43 s
